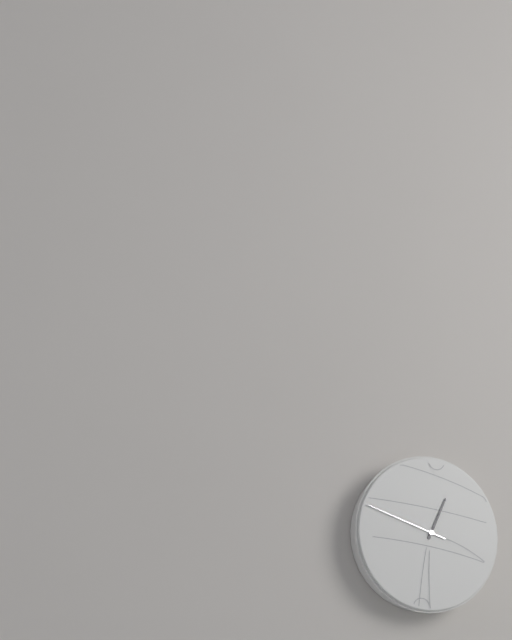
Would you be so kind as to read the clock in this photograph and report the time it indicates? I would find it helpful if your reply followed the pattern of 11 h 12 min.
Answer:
12 h 48 min
